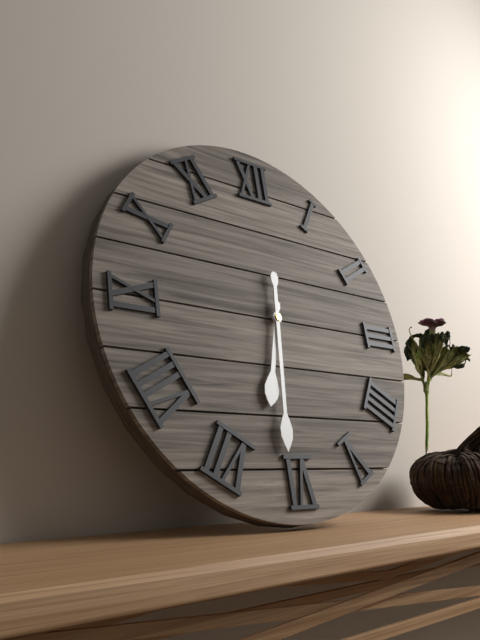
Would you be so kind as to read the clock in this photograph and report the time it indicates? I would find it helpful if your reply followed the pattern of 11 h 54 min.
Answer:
6 h 31 min
